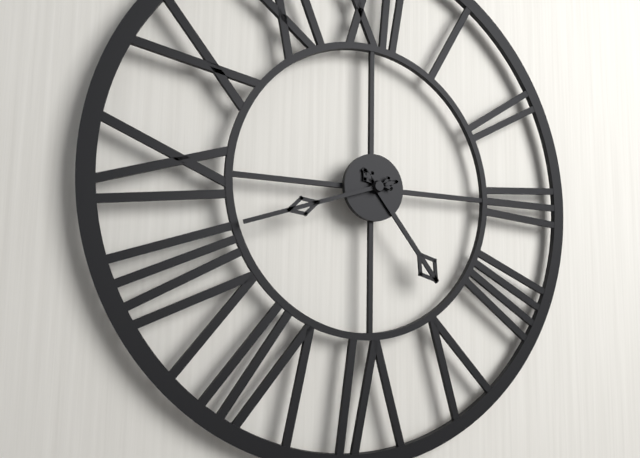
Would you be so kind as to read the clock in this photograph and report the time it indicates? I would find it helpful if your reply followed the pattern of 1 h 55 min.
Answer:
4 h 42 min
